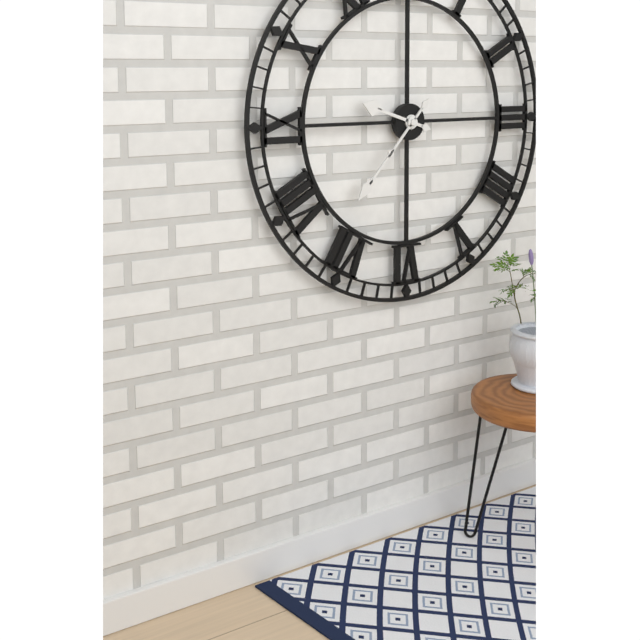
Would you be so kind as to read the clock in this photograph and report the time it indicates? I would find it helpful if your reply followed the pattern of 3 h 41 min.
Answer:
9 h 37 min
